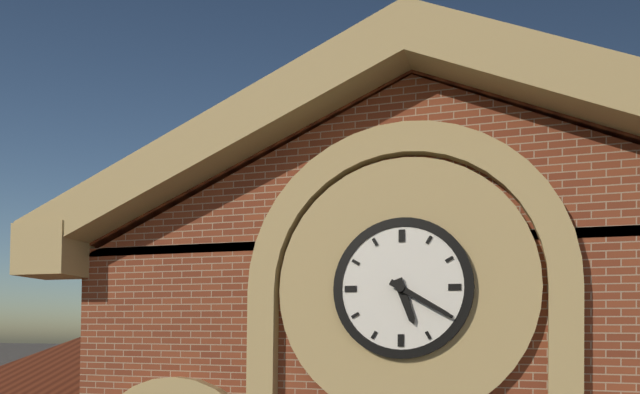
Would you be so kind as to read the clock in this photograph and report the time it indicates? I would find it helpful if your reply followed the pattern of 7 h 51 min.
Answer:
5 h 20 min
